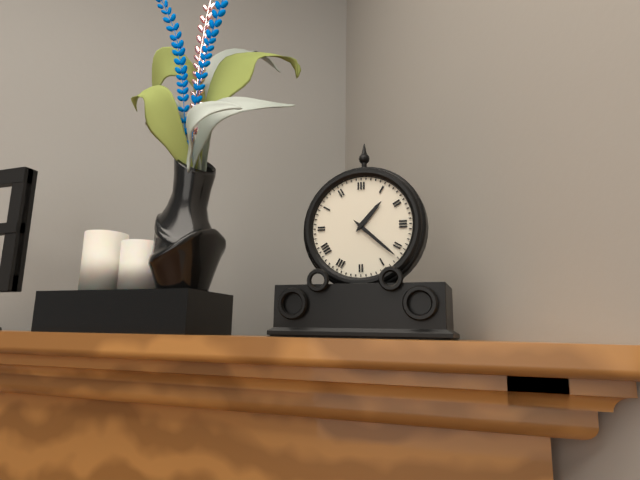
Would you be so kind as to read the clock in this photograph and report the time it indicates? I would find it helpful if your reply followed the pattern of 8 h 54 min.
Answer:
1 h 22 min
